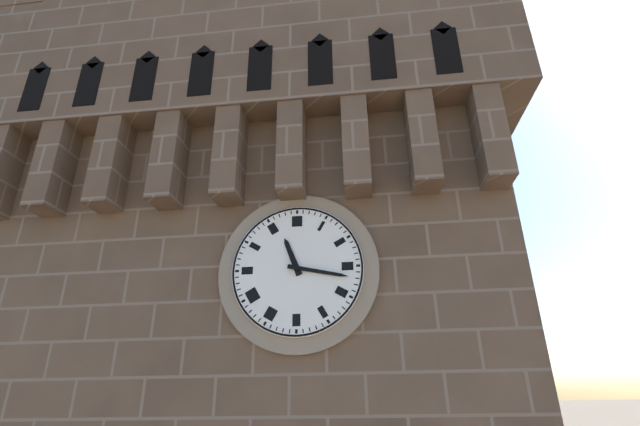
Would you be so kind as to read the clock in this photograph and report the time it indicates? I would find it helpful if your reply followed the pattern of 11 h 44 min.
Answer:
11 h 17 min
